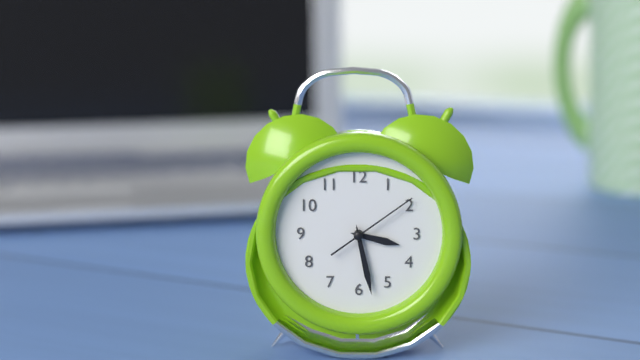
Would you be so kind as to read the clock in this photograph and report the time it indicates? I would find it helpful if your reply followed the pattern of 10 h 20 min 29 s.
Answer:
3 h 28 min 09 s
